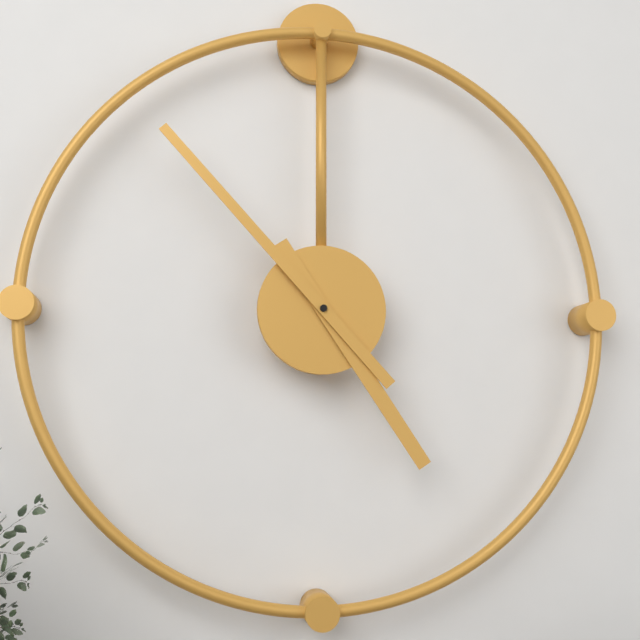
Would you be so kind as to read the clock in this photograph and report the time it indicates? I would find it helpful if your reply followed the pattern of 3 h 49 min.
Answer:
4 h 53 min
